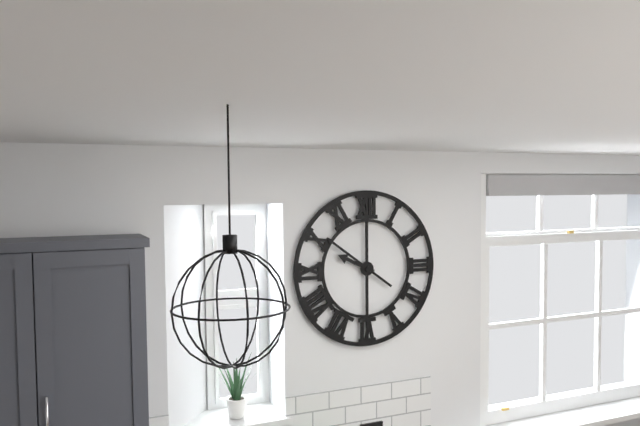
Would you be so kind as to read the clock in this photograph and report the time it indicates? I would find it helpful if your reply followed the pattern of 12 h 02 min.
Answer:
9 h 51 min
